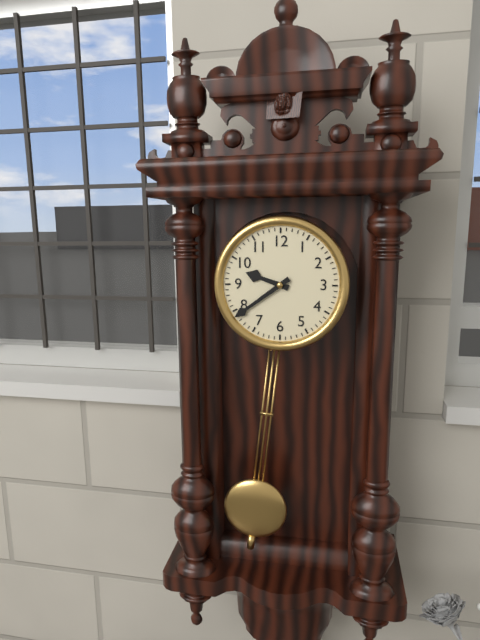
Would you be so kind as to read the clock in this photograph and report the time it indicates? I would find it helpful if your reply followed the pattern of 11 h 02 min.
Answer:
9 h 39 min
